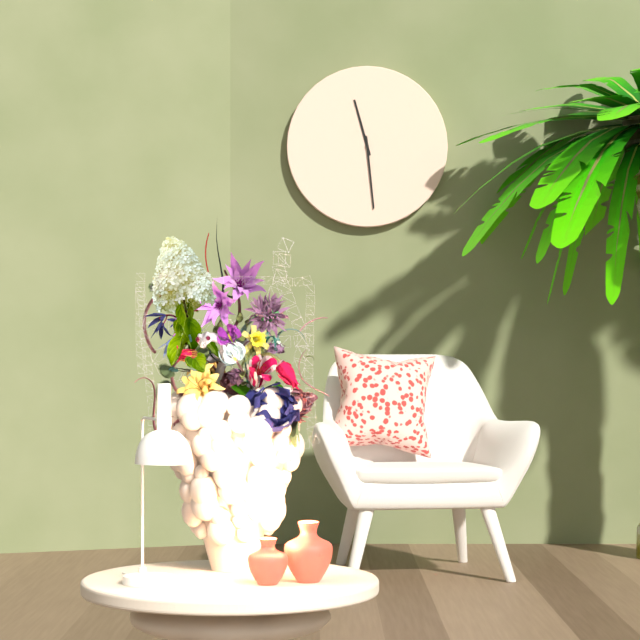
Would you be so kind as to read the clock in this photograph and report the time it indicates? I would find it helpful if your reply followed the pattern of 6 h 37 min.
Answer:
11 h 29 min
